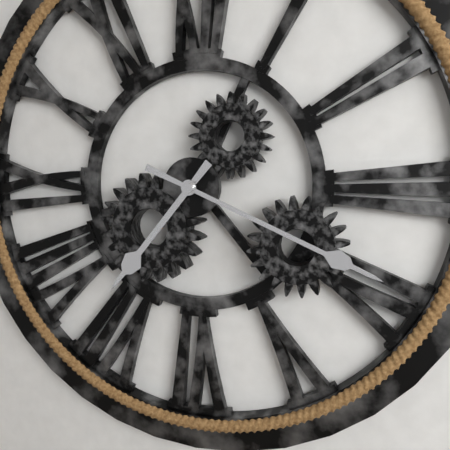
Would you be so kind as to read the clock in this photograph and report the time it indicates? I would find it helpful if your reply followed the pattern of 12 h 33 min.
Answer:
7 h 19 min
